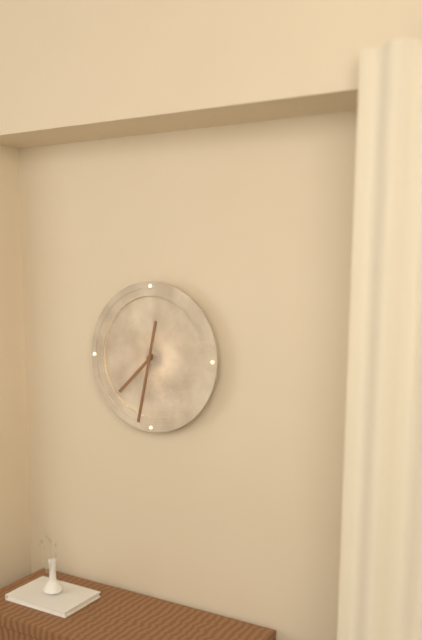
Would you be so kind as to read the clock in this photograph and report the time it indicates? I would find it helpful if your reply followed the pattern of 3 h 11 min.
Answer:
7 h 32 min
